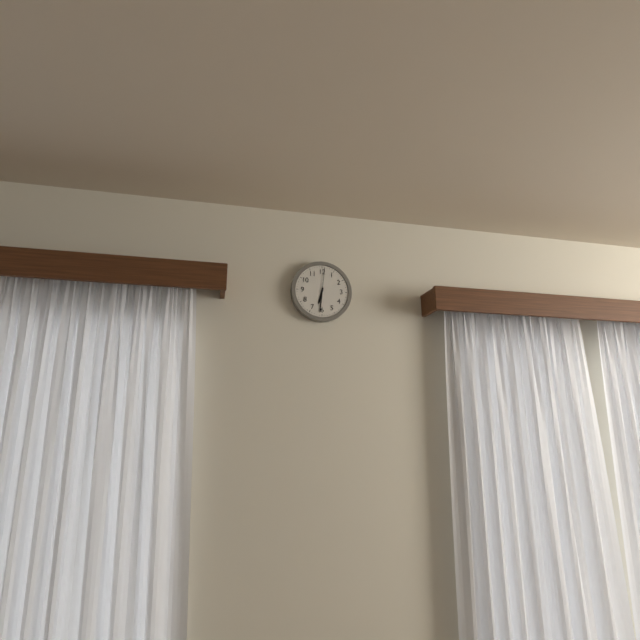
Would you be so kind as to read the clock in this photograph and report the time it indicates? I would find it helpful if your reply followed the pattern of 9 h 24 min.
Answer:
6 h 31 min
